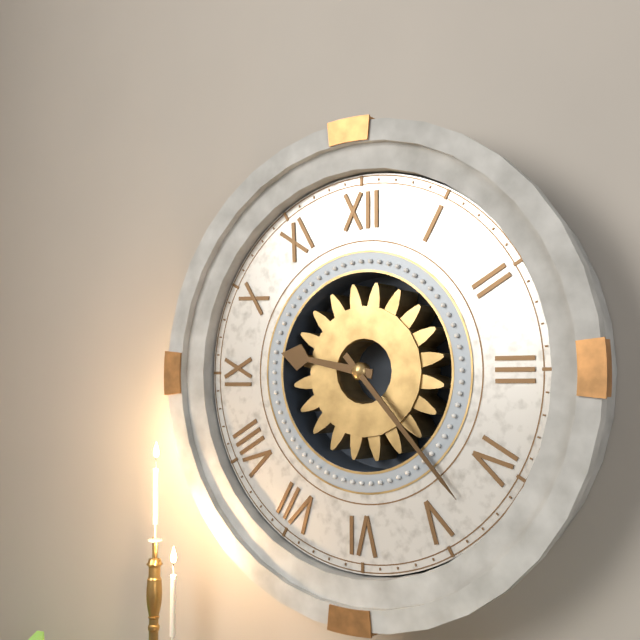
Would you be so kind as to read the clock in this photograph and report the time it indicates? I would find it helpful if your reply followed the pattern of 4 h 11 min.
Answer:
9 h 23 min
